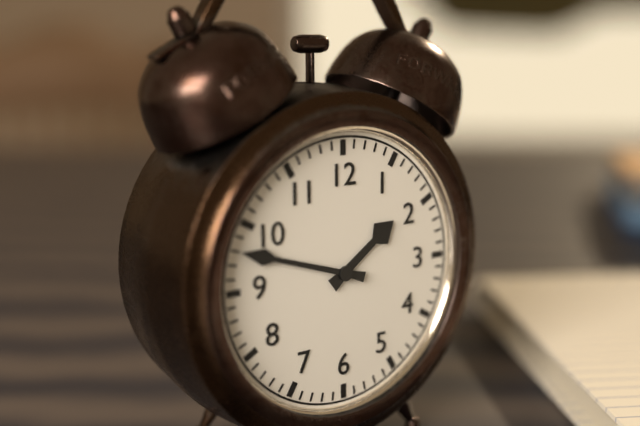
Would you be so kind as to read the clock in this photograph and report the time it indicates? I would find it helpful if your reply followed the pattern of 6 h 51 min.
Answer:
1 h 48 min
